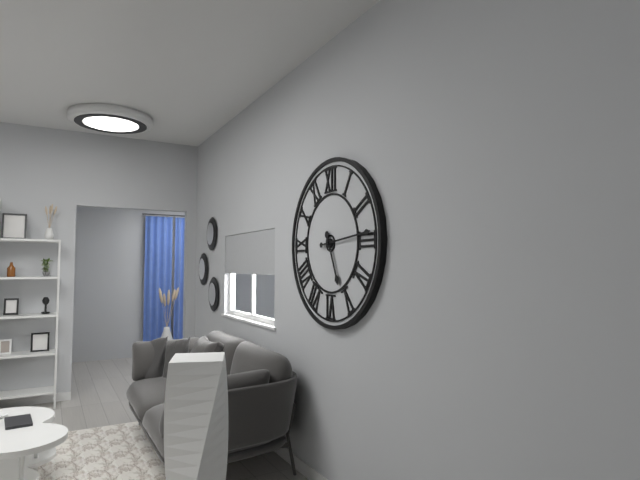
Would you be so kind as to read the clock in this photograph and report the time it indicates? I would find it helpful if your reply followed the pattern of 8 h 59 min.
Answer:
5 h 14 min
